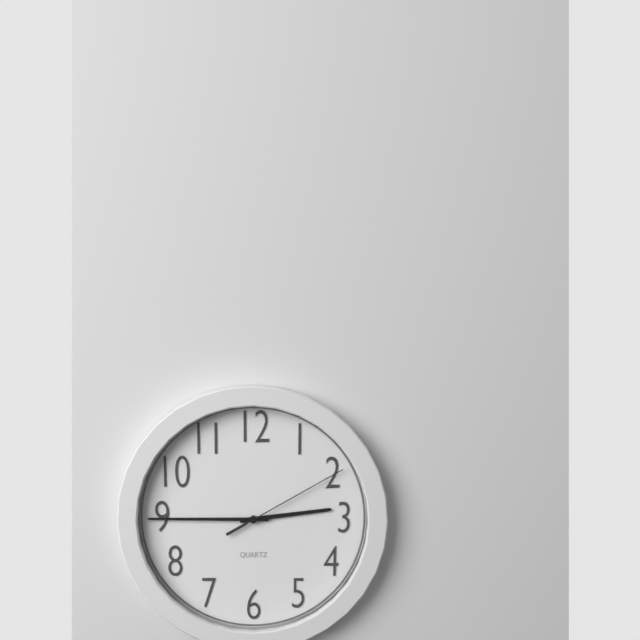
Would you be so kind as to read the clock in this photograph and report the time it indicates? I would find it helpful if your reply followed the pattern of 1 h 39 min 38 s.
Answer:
2 h 45 min 10 s
